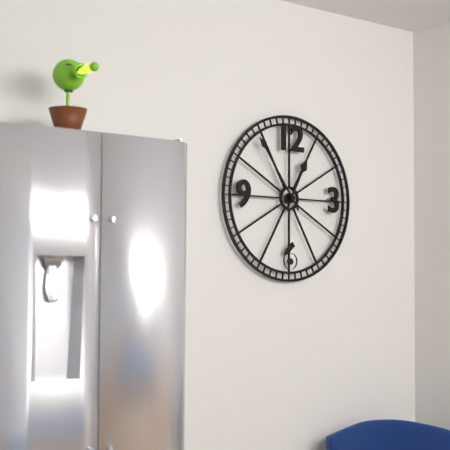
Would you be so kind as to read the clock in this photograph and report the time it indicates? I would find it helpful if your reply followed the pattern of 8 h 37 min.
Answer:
12 h 54 min
